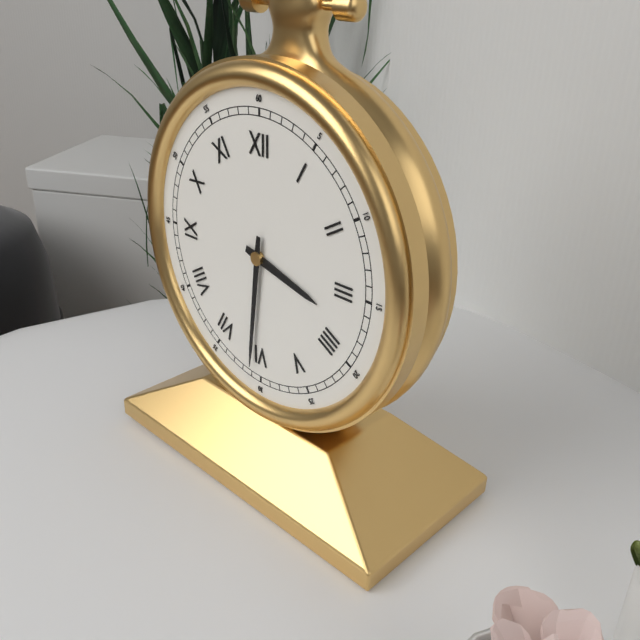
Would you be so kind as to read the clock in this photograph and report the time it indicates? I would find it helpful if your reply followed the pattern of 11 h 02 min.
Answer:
3 h 31 min
